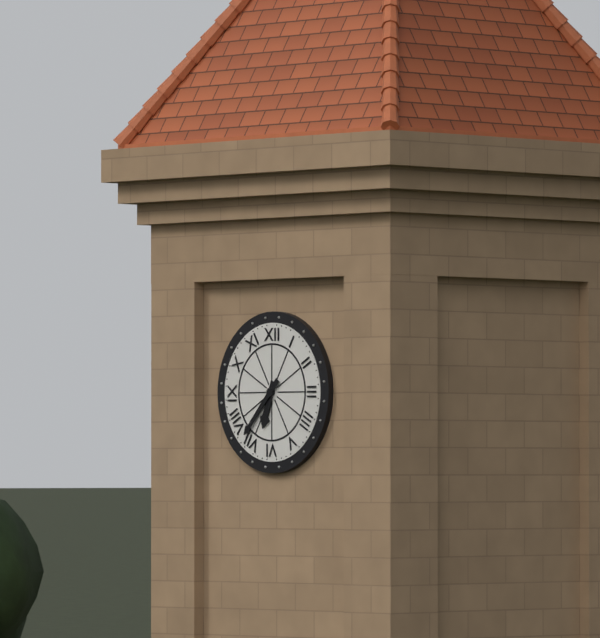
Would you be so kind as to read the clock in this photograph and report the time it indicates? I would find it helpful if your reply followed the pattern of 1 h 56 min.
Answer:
6 h 37 min
